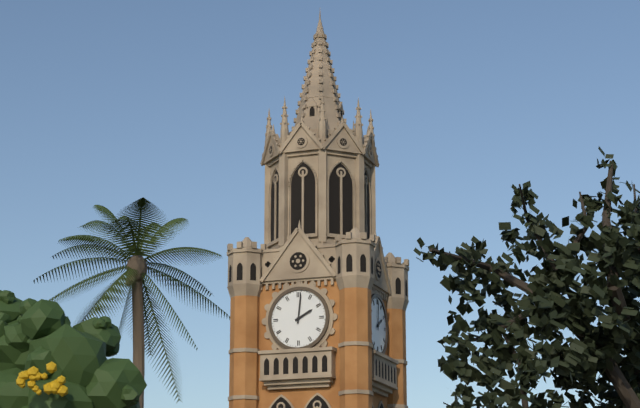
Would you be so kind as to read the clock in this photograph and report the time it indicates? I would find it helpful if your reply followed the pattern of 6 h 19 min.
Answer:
2 h 01 min
